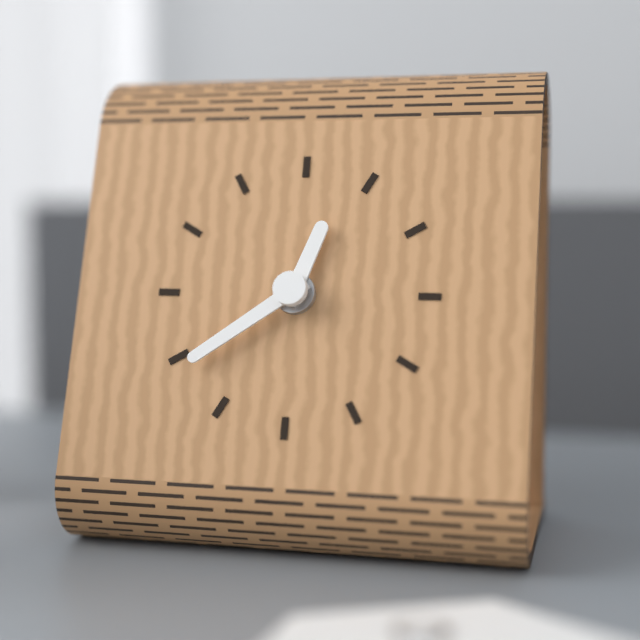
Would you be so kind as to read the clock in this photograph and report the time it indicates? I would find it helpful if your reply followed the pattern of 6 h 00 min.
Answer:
12 h 39 min
